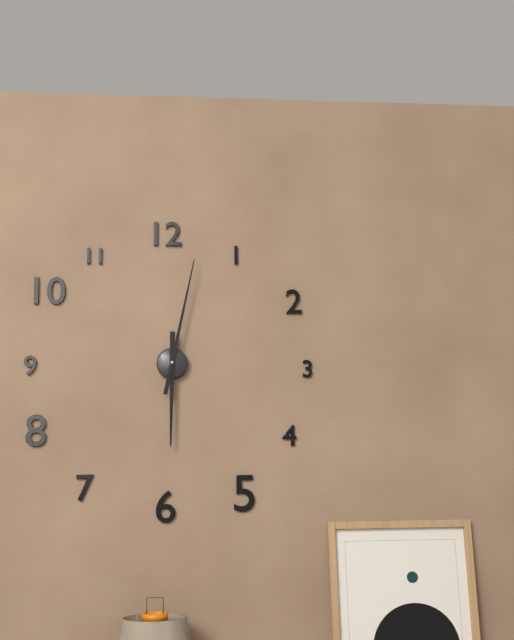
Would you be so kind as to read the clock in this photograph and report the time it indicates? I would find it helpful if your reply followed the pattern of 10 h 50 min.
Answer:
6 h 02 min
